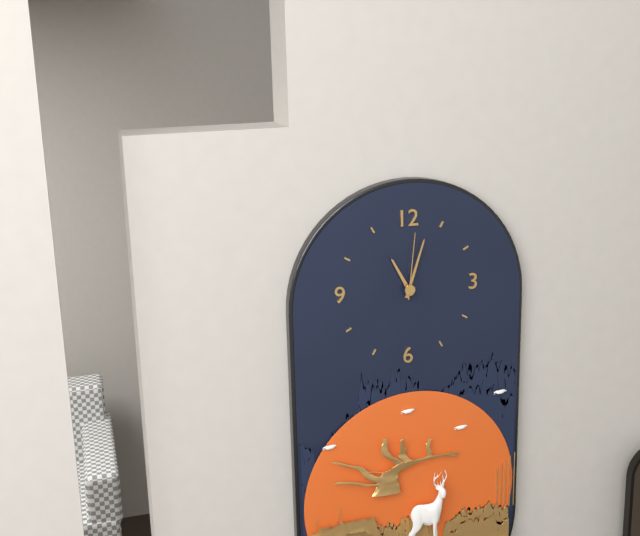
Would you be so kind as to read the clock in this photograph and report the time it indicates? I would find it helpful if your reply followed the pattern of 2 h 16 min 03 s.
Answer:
11 h 03 min 01 s
